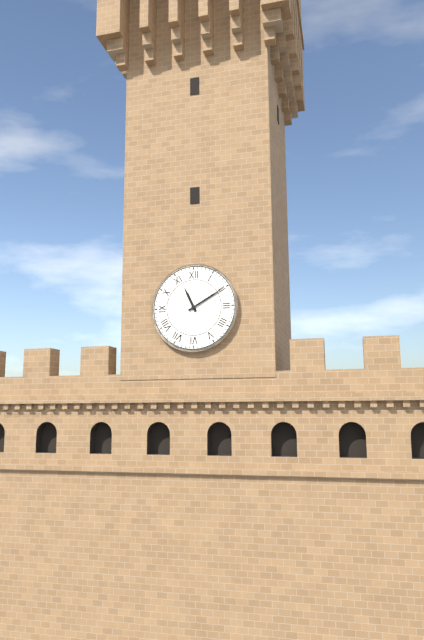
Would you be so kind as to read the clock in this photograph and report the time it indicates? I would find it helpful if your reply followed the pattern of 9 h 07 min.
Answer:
11 h 10 min
